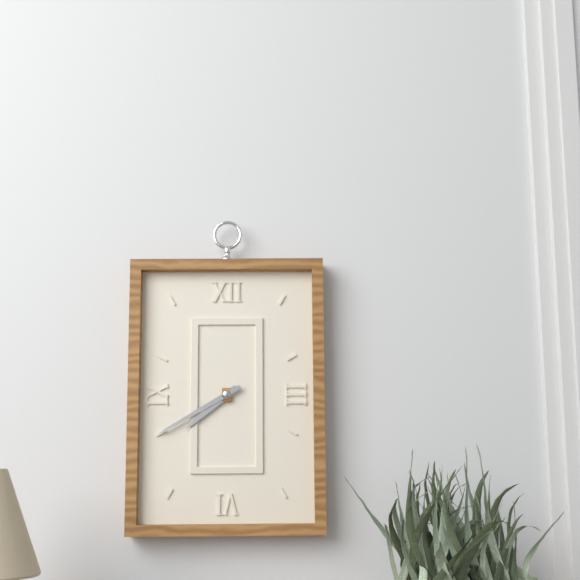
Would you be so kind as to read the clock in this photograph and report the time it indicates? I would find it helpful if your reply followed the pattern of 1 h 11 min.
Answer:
7 h 40 min
